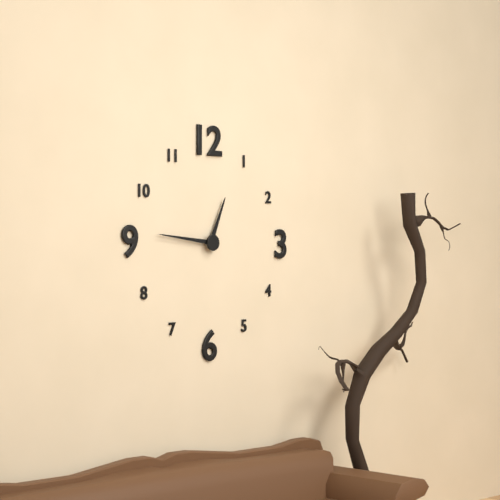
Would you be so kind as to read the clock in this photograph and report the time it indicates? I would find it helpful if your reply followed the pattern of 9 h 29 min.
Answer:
12 h 46 min
